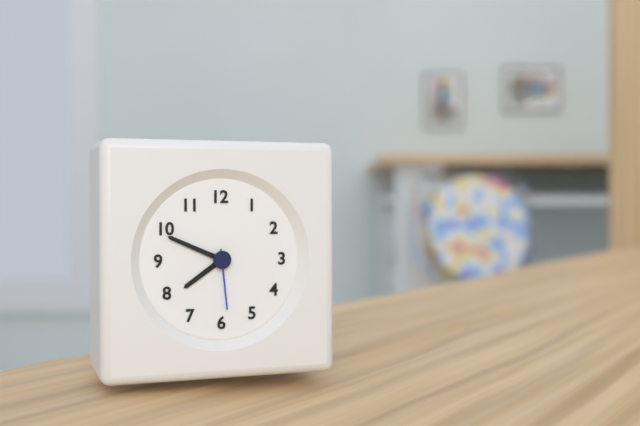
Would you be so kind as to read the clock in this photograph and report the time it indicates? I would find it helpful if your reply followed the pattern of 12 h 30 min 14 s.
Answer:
7 h 49 min 29 s
